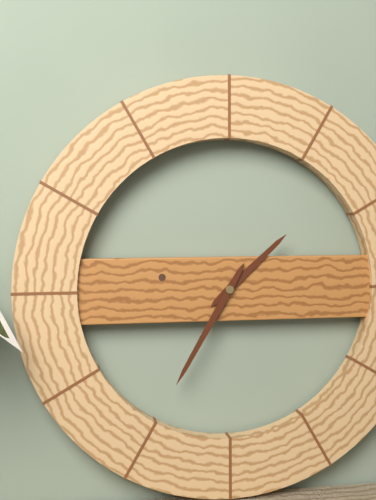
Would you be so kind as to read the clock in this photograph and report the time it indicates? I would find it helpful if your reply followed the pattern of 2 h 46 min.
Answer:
1 h 35 min
